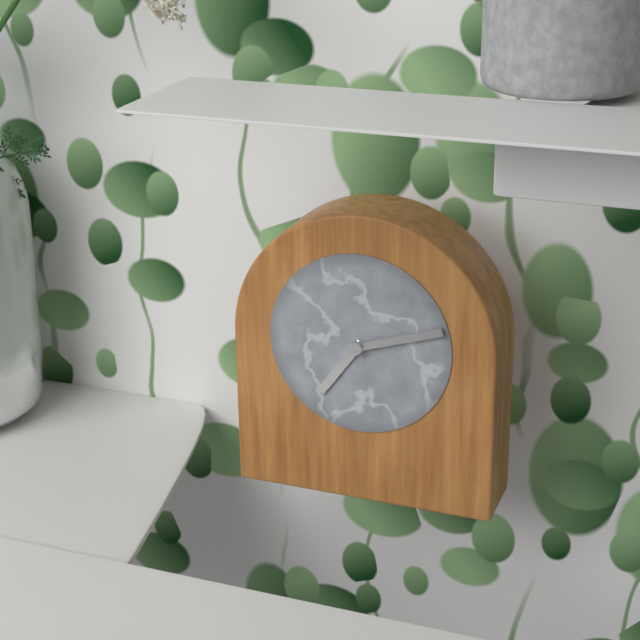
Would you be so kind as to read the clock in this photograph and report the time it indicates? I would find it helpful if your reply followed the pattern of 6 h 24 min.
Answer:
7 h 12 min
